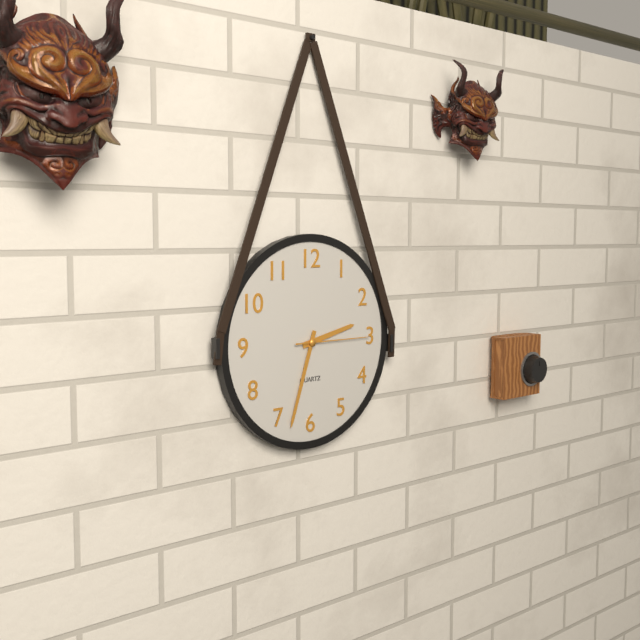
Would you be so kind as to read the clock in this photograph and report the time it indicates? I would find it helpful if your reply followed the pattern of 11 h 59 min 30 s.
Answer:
2 h 33 min 15 s
